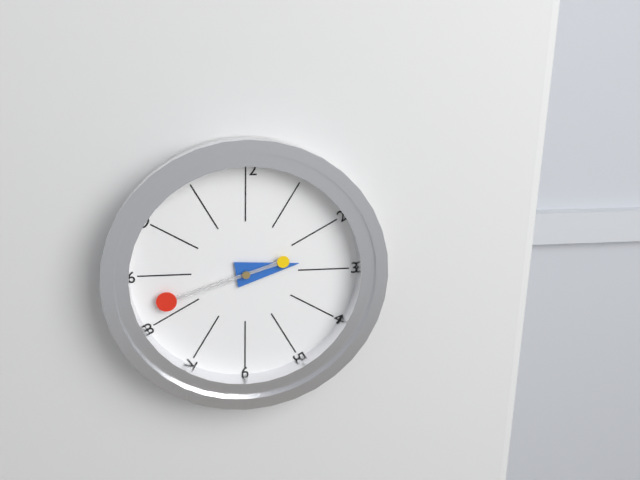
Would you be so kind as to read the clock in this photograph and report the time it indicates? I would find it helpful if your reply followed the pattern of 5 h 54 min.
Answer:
2 h 42 min
